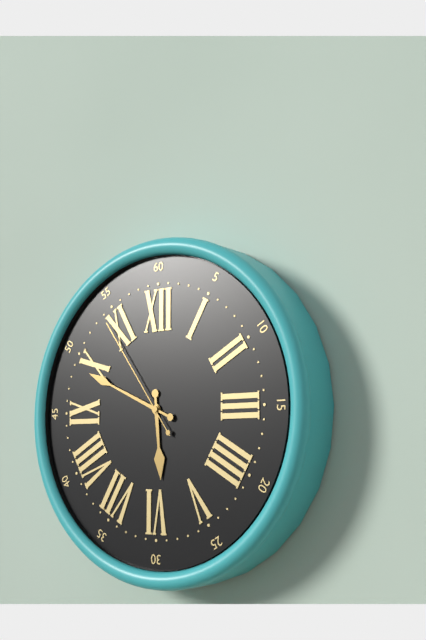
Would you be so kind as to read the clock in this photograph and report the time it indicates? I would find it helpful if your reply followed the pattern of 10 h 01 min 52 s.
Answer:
5 h 49 min 54 s
